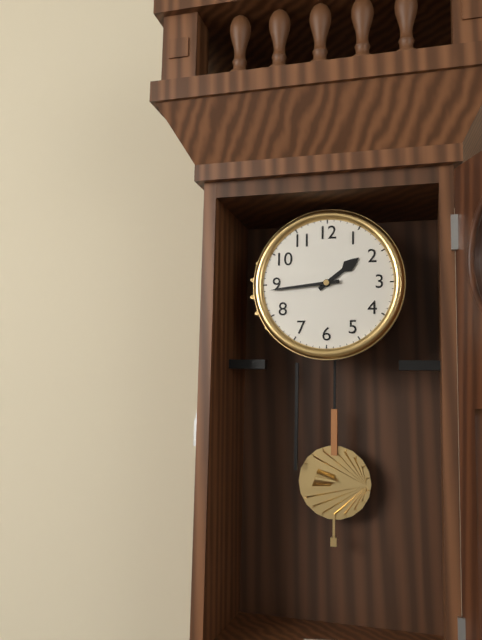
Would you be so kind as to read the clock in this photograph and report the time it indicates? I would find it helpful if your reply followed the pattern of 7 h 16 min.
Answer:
1 h 44 min
